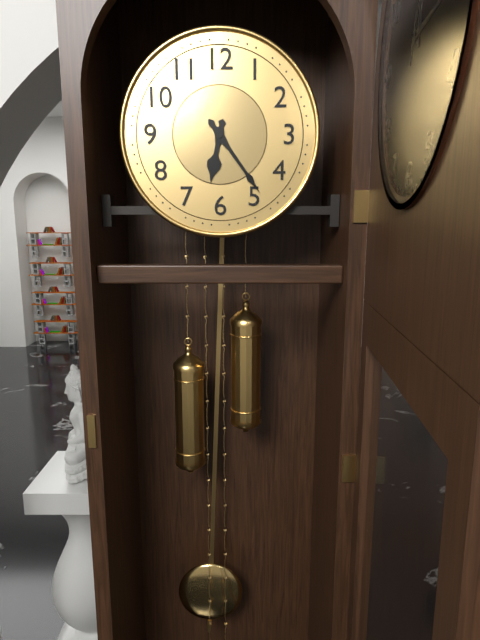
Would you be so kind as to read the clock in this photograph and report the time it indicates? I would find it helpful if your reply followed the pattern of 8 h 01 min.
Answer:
6 h 24 min
